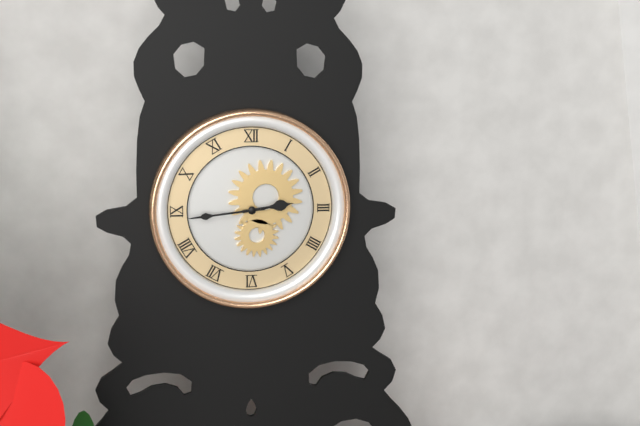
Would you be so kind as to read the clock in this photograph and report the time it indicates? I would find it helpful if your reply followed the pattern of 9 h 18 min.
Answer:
2 h 44 min
